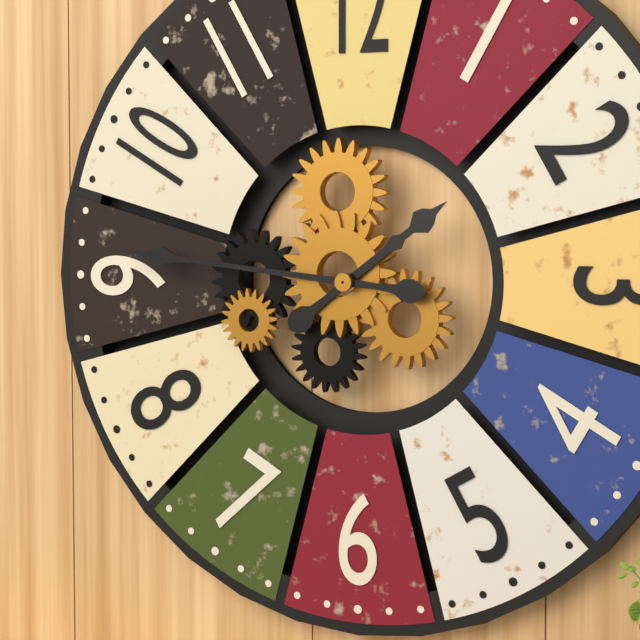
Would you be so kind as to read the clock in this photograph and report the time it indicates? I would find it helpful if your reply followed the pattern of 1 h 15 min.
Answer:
1 h 46 min
